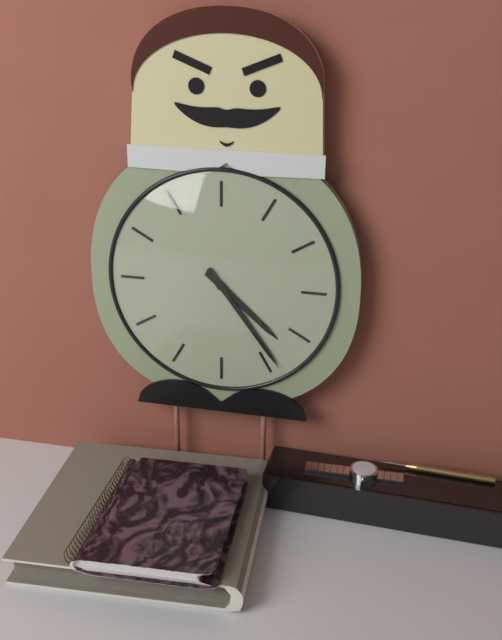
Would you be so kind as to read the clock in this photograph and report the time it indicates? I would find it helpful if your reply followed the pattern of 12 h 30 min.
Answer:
4 h 24 min
